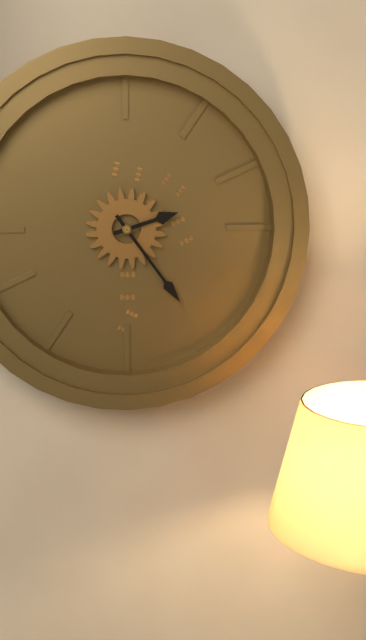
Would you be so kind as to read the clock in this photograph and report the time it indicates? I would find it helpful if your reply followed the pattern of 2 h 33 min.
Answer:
2 h 24 min
